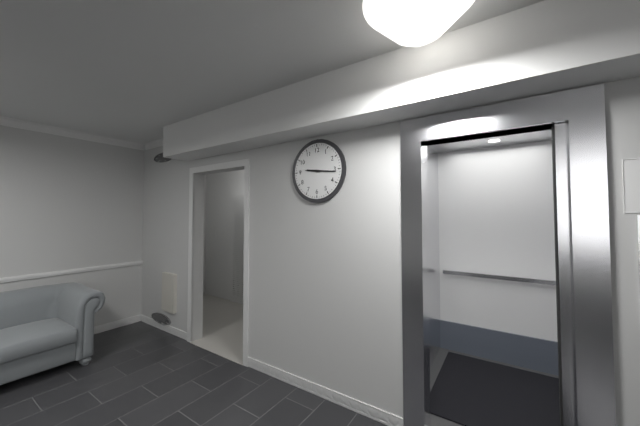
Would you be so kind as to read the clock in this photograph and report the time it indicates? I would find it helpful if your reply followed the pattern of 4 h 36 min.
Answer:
9 h 16 min
